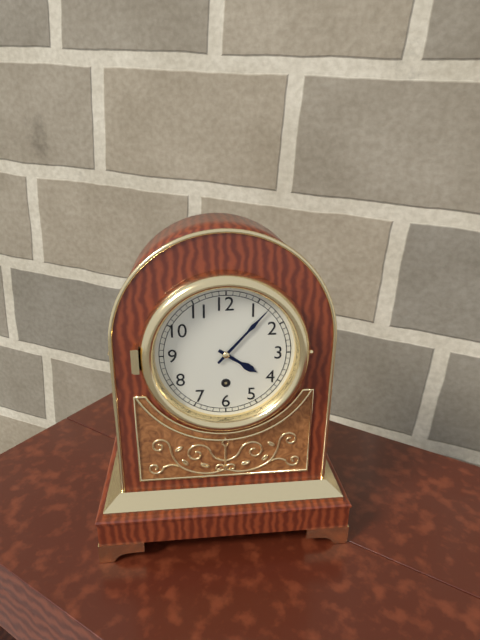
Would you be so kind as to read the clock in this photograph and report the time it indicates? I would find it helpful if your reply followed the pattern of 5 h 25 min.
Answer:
4 h 07 min
